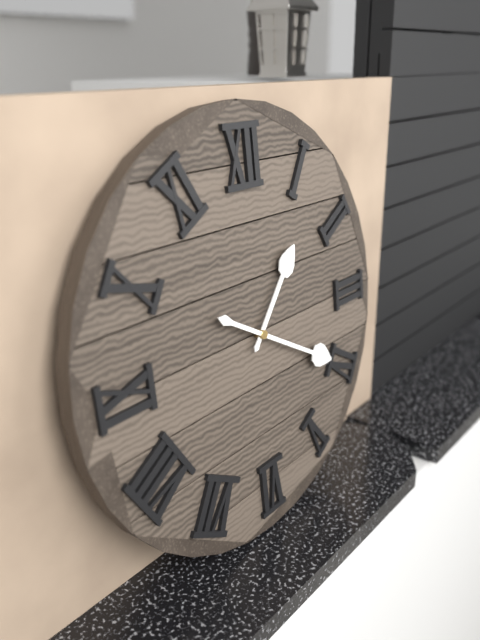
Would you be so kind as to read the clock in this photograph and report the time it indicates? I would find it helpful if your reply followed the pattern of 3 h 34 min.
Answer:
1 h 20 min
